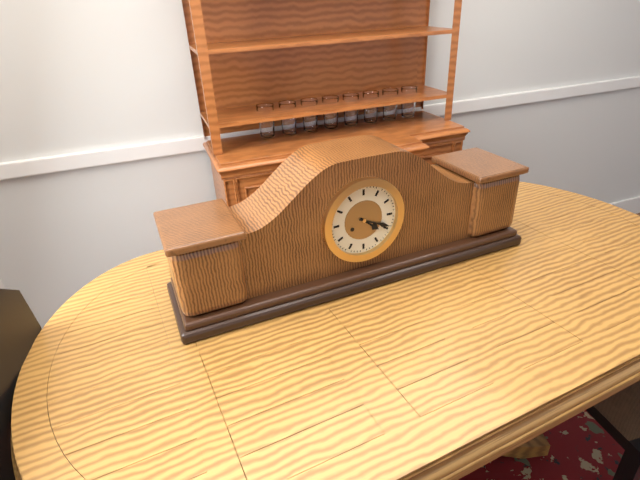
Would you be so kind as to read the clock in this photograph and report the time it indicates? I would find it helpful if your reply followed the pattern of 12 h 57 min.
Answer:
4 h 19 min
